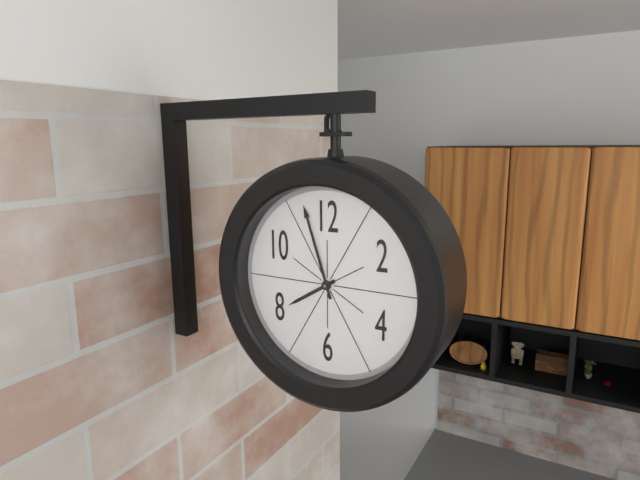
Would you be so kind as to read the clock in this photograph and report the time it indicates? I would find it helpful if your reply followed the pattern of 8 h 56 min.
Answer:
7 h 57 min
